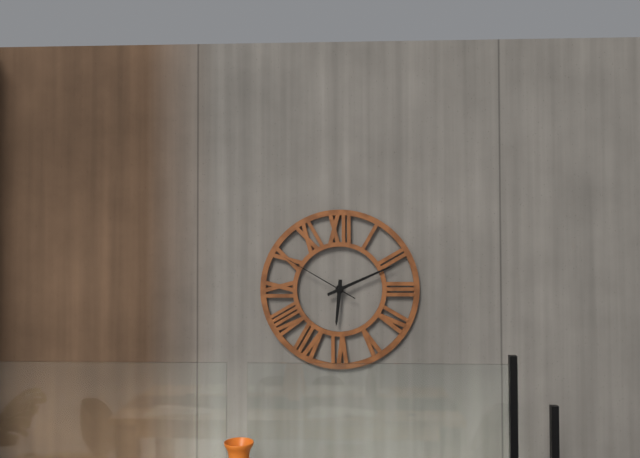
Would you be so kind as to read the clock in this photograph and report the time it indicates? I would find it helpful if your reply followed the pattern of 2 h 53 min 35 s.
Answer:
6 h 11 min 50 s
